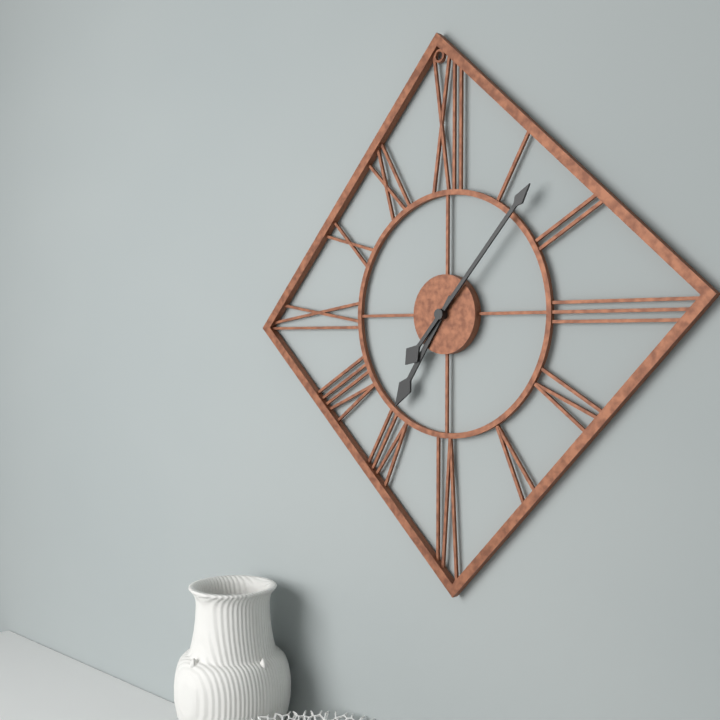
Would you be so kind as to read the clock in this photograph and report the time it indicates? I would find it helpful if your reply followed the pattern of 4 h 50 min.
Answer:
7 h 07 min
